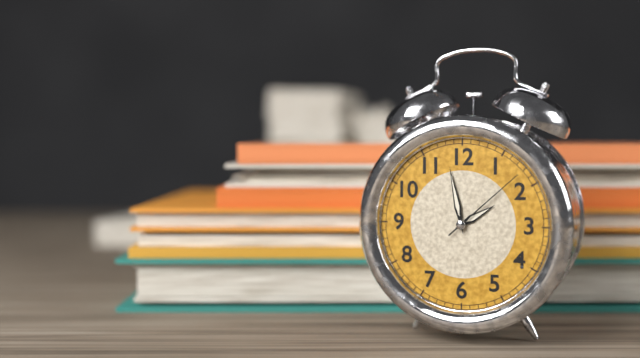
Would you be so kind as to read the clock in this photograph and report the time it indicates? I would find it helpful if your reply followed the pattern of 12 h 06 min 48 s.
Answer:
1 h 58 min 08 s
